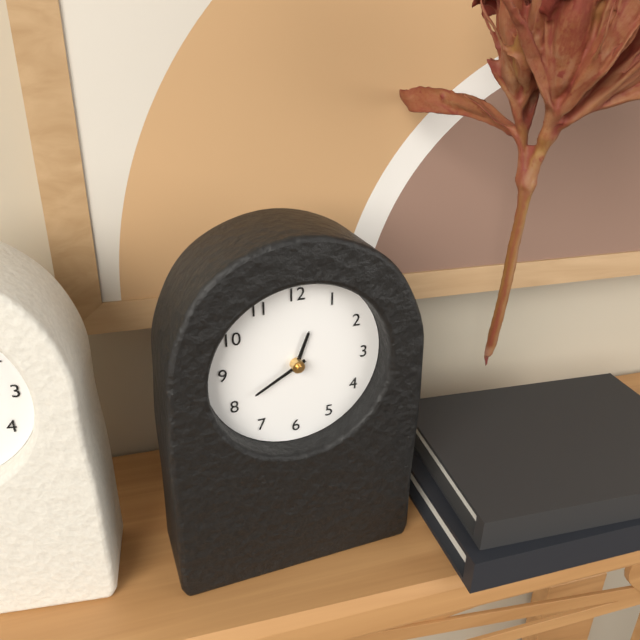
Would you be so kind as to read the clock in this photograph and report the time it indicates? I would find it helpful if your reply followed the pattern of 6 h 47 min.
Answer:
12 h 40 min
